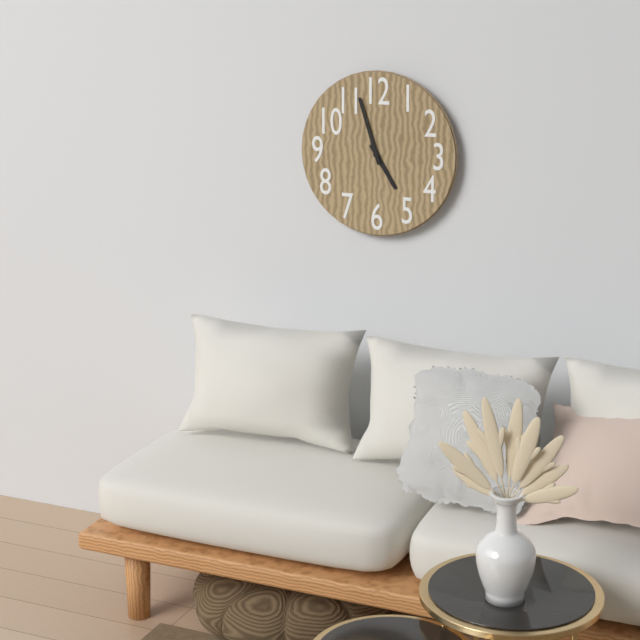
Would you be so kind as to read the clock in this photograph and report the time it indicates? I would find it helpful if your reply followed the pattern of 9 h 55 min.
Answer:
4 h 57 min
